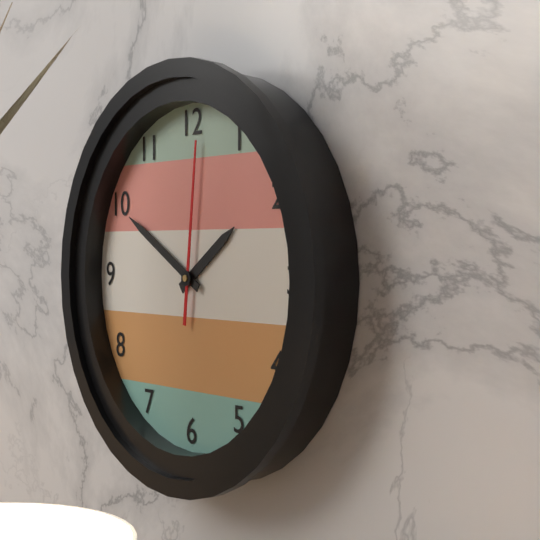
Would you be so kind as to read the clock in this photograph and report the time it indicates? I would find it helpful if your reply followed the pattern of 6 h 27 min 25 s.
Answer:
1 h 50 min 01 s
